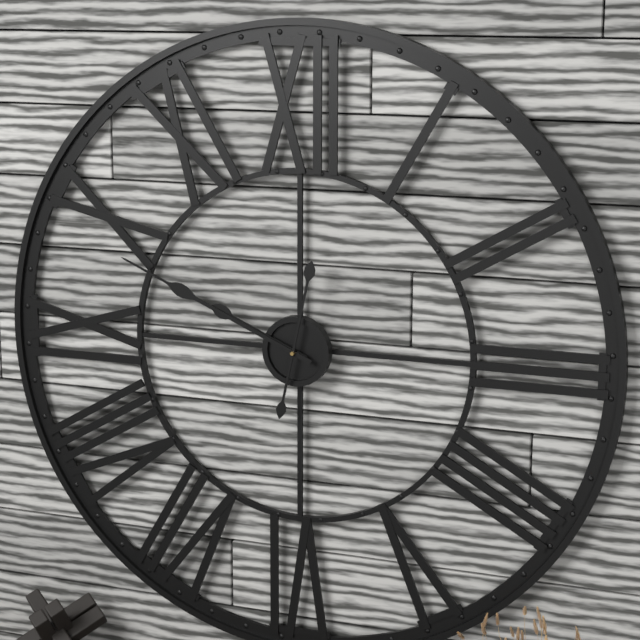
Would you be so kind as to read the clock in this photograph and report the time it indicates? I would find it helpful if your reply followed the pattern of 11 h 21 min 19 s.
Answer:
9 h 49 min 02 s
